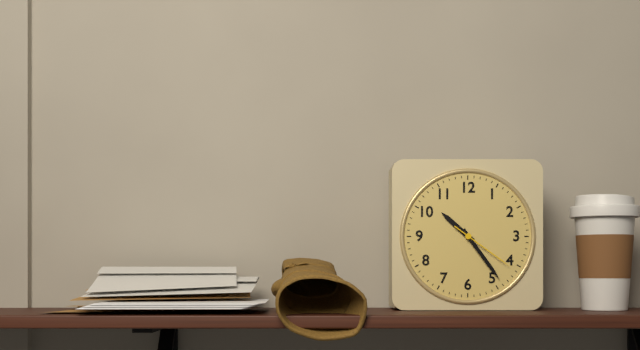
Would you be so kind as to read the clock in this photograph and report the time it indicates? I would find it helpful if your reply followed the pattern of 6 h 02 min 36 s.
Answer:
10 h 24 min 21 s
